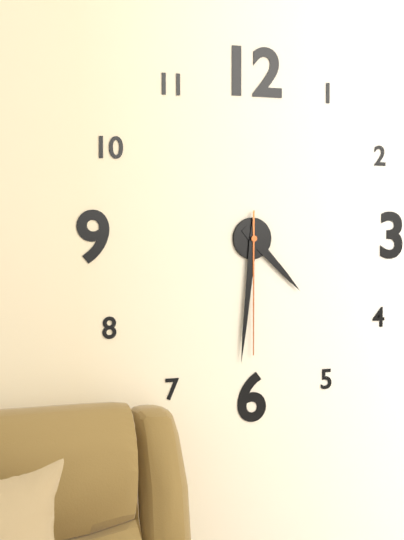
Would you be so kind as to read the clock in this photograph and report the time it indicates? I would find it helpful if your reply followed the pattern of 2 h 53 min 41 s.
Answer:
4 h 31 min 30 s
